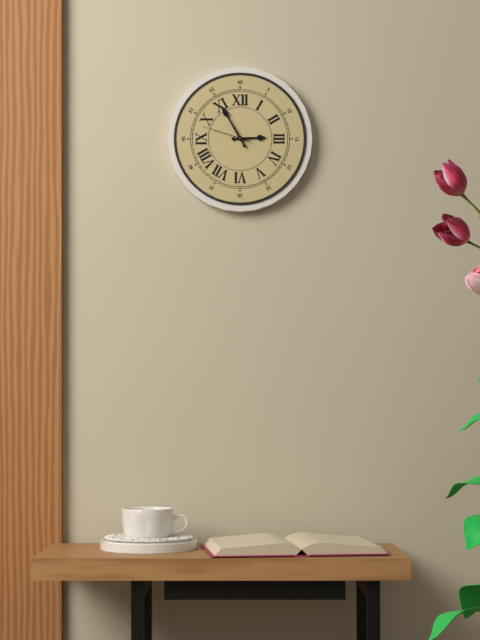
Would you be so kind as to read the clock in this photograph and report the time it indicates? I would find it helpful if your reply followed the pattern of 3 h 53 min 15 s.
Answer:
2 h 55 min 48 s
